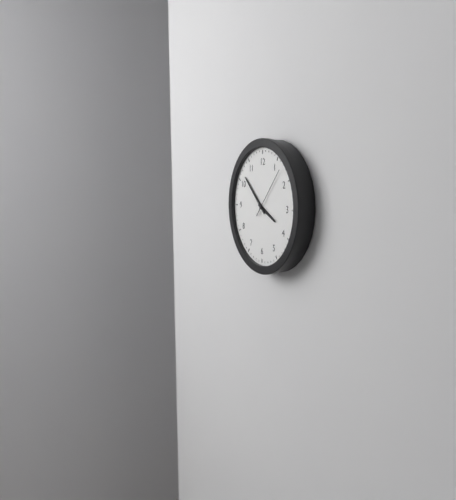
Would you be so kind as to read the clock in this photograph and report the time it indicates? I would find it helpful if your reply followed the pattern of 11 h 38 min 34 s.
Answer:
3 h 52 min 07 s
